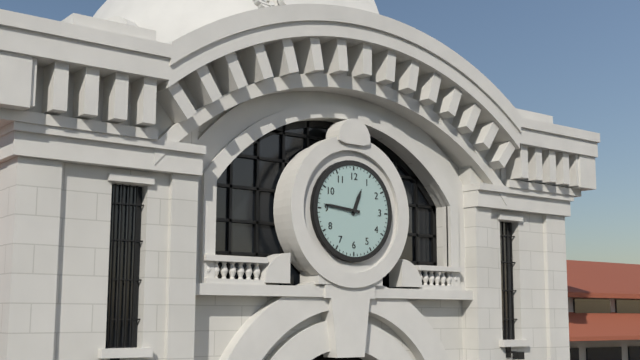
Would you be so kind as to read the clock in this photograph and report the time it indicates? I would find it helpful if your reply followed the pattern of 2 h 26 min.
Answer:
12 h 46 min
